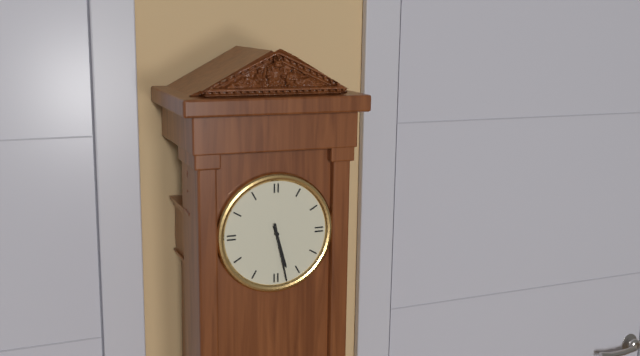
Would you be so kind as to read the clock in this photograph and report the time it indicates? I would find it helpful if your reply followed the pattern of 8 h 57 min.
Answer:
5 h 28 min
